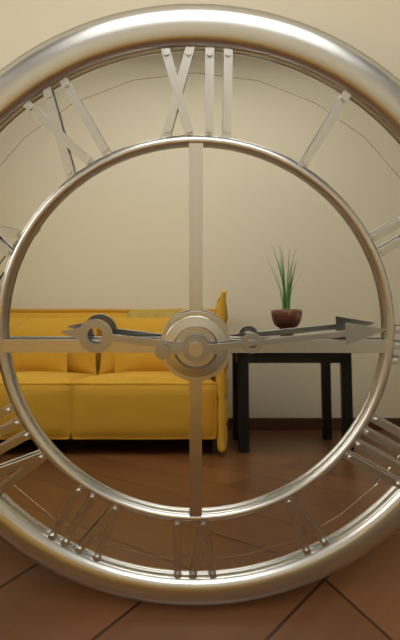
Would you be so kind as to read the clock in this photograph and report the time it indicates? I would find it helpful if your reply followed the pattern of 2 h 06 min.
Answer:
9 h 14 min
